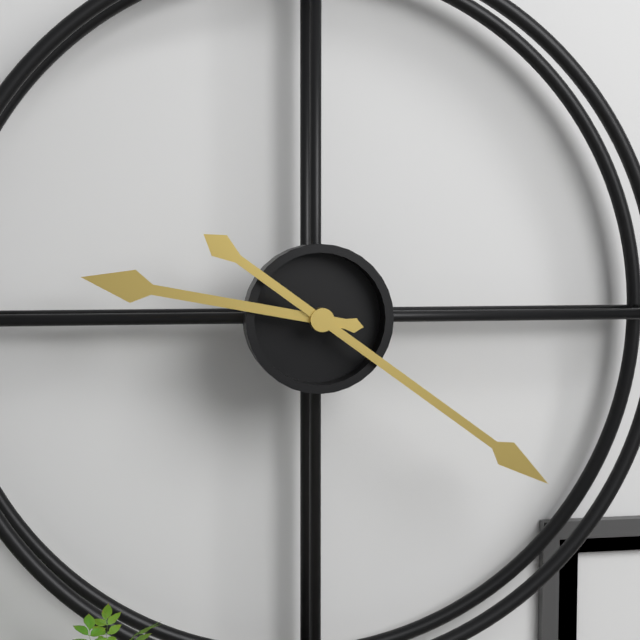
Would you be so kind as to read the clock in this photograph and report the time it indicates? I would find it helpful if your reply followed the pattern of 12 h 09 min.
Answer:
9 h 21 min
